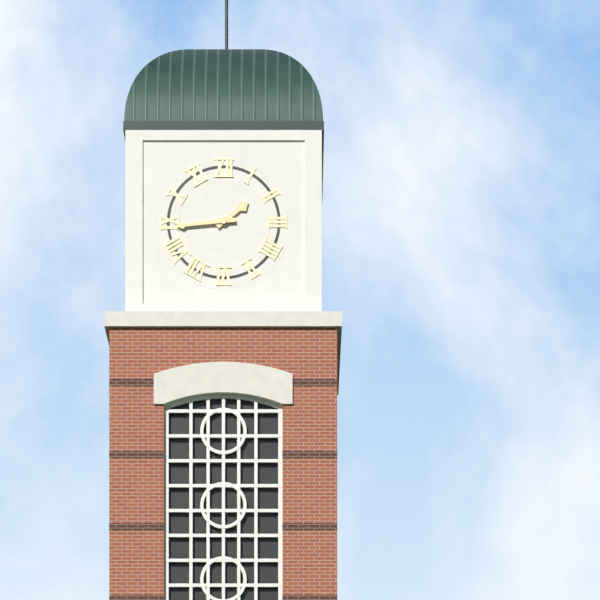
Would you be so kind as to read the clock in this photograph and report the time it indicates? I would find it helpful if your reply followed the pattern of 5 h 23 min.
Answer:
1 h 44 min
